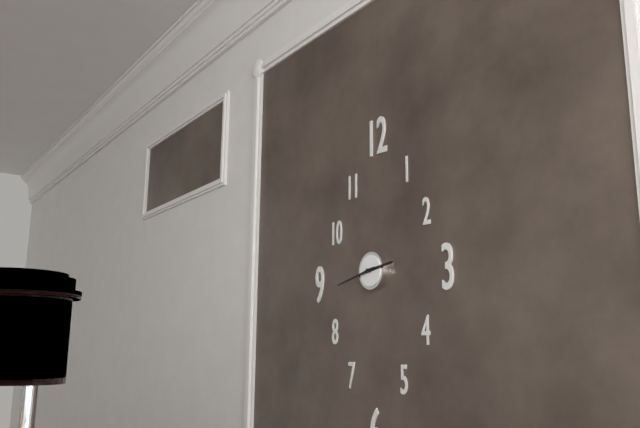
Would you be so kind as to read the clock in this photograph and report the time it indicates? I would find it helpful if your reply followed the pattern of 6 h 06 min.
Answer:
2 h 43 min
